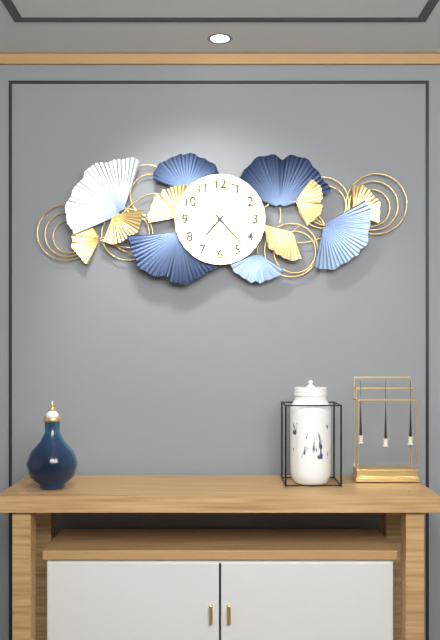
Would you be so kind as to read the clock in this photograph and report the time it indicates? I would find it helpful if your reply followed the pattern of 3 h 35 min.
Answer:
7 h 23 min
